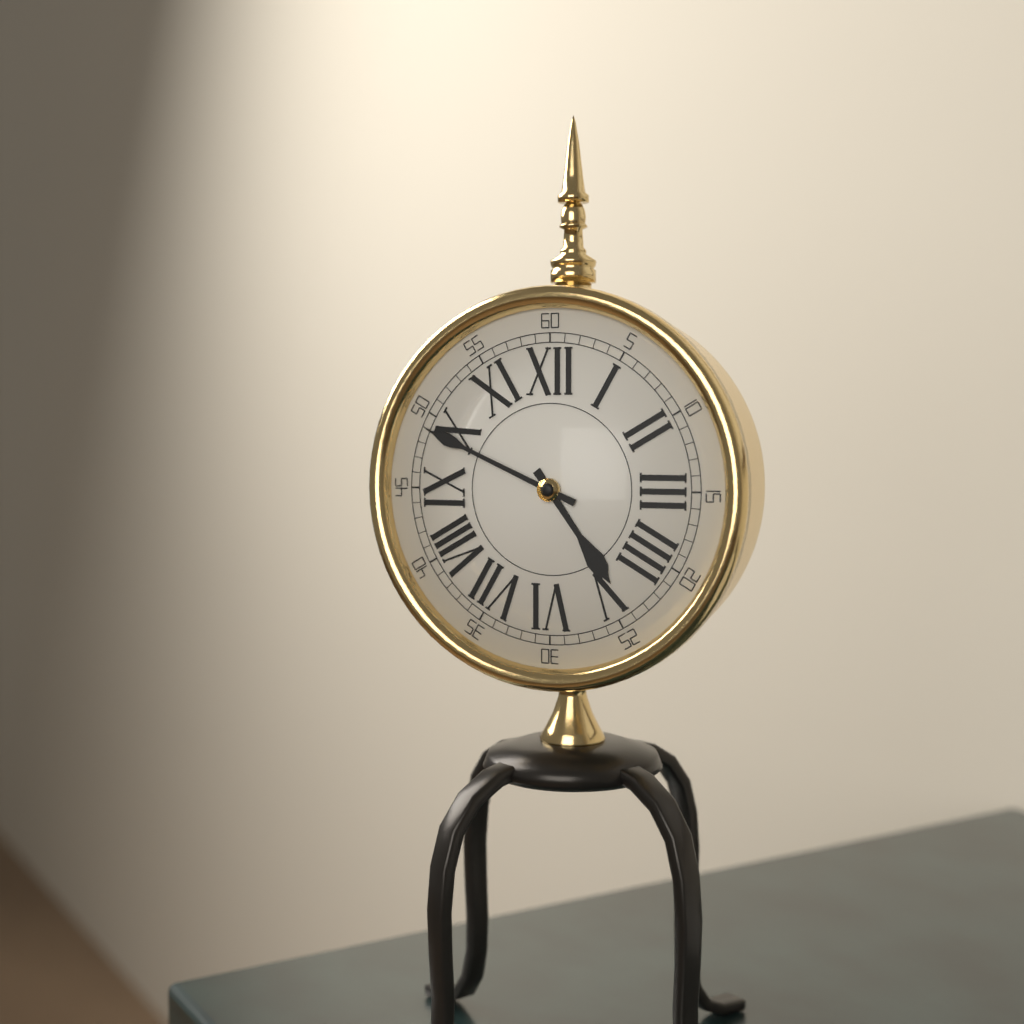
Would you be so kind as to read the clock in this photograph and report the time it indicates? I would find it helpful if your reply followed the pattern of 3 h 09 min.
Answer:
4 h 49 min
